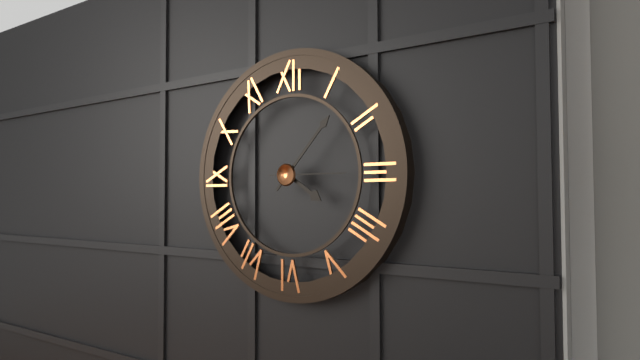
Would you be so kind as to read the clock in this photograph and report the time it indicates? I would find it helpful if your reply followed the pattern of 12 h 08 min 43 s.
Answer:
4 h 07 min 15 s
